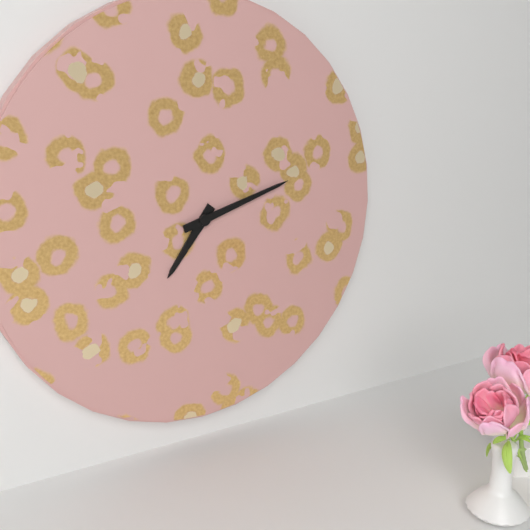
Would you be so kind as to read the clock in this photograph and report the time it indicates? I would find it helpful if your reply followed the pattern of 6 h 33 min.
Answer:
7 h 12 min
